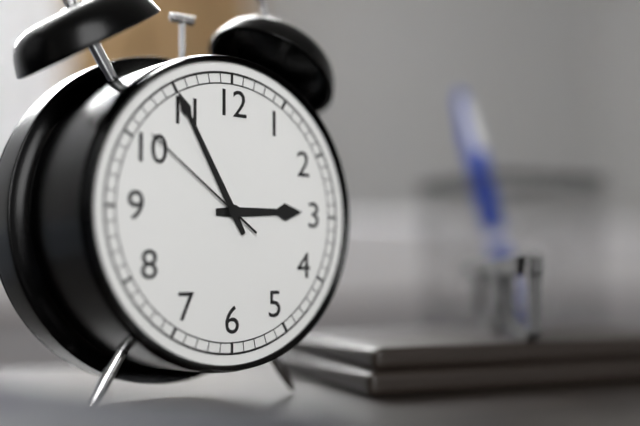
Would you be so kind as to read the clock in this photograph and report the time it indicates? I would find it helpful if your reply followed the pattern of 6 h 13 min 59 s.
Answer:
2 h 55 min 51 s
